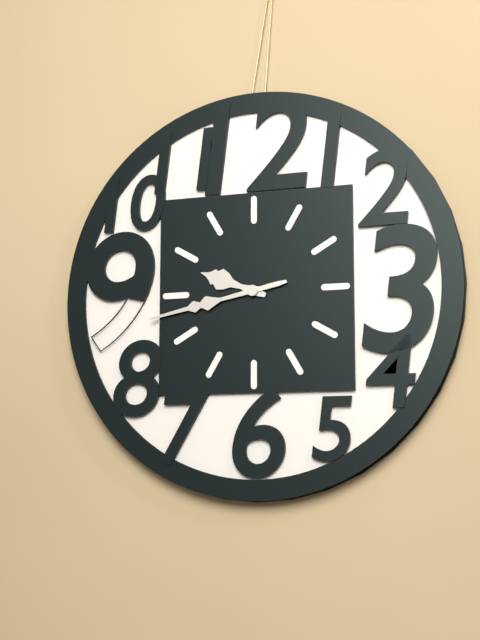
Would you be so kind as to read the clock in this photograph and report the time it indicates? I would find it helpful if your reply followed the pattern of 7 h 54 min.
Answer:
9 h 43 min
